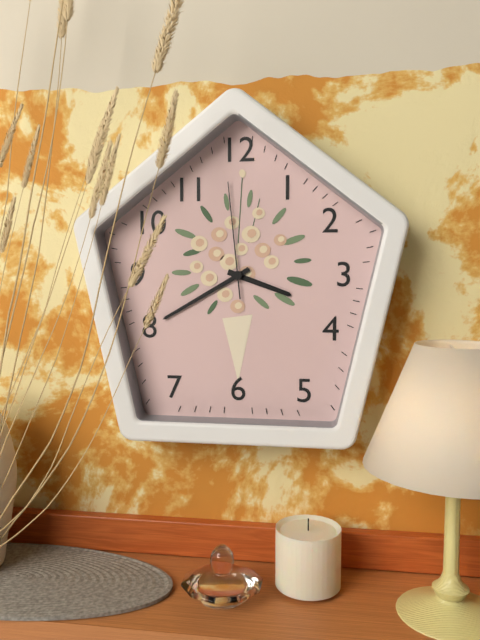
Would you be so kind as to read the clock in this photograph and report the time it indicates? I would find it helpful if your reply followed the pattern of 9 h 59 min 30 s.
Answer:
3 h 40 min 59 s
